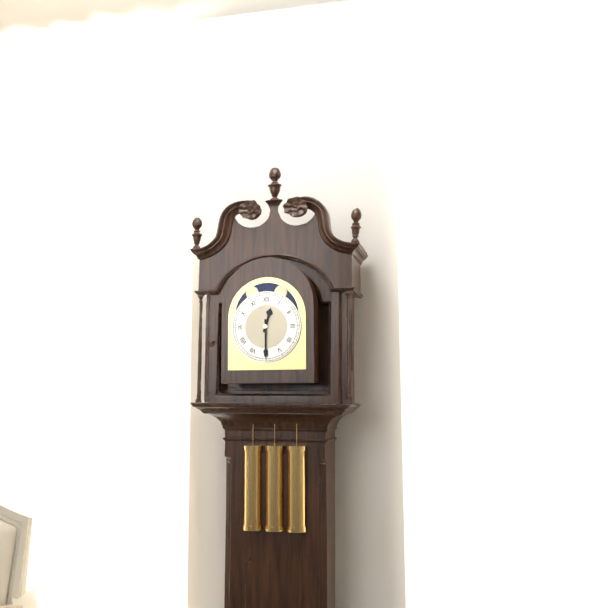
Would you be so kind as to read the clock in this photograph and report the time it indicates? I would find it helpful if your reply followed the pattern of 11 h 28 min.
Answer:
12 h 30 min
